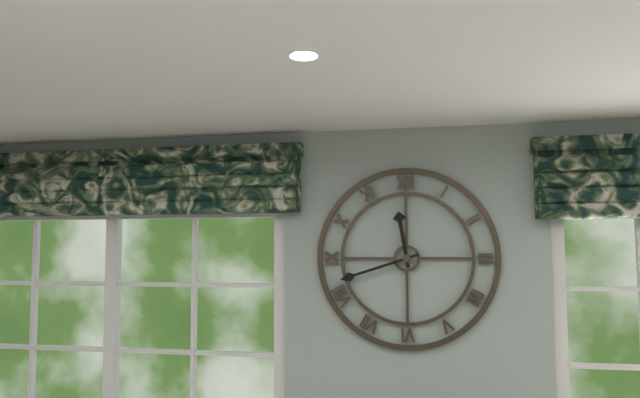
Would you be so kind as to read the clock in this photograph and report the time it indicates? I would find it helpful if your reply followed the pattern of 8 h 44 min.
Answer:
11 h 42 min
